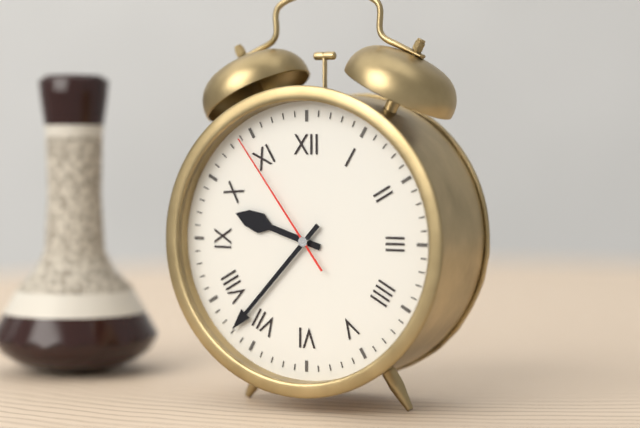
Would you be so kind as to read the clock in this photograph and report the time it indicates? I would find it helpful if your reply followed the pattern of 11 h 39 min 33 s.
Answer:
9 h 37 min 54 s
